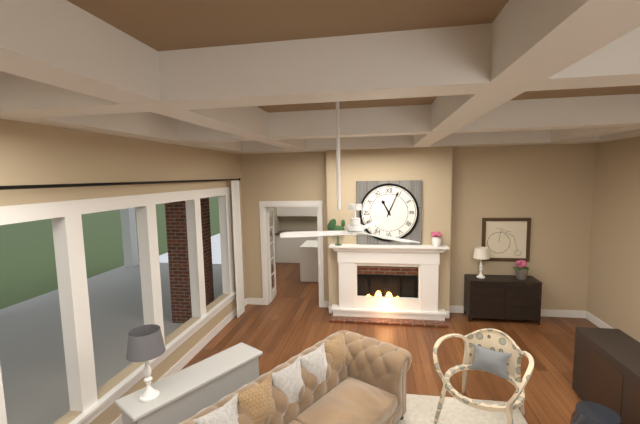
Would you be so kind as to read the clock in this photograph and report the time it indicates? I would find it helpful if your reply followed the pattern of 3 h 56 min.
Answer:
11 h 04 min
